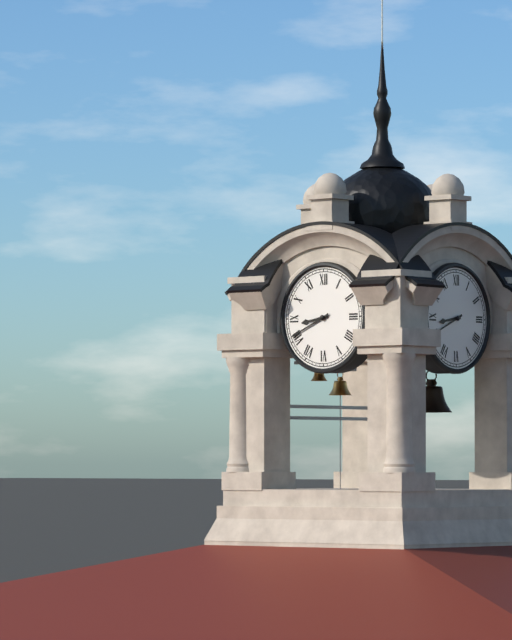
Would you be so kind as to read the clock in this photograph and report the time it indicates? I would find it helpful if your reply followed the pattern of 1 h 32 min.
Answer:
8 h 41 min
